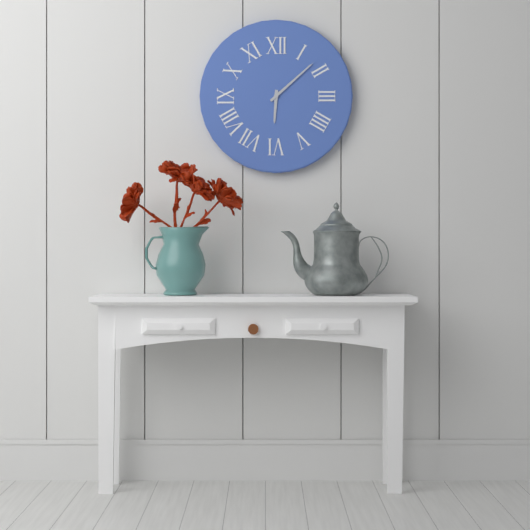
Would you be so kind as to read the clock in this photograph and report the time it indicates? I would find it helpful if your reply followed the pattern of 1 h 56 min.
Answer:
6 h 08 min
